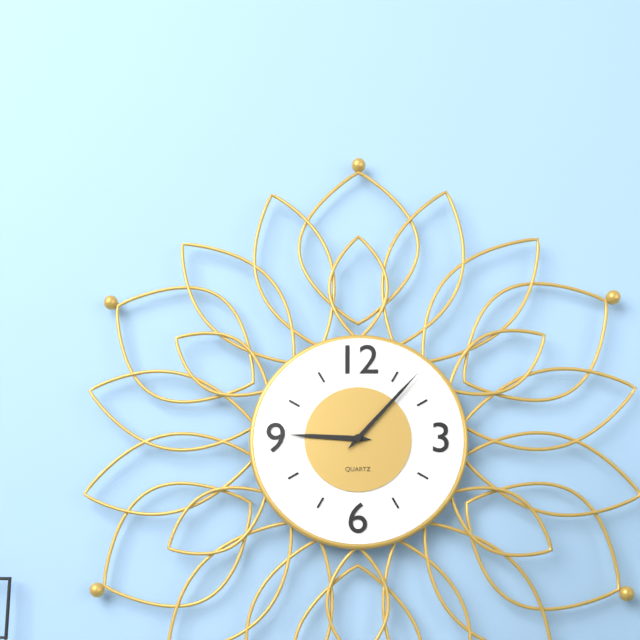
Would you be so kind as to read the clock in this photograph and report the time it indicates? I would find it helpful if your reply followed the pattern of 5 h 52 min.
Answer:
9 h 07 min
